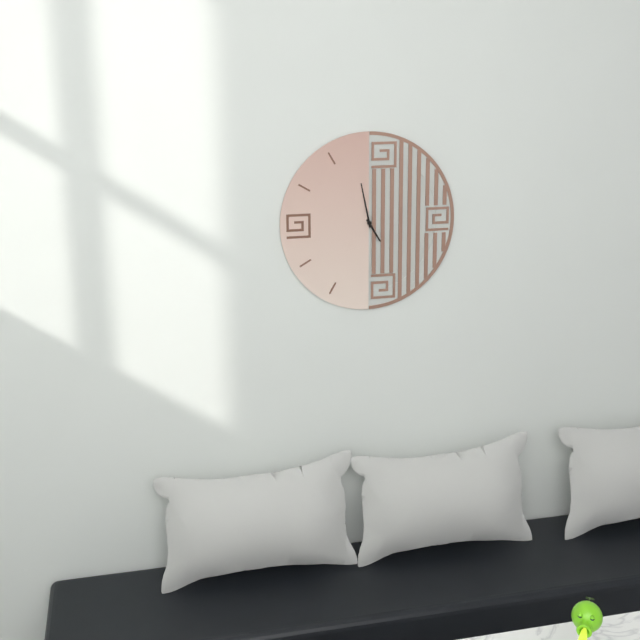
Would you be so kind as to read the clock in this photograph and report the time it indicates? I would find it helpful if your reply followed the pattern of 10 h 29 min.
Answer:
4 h 58 min
